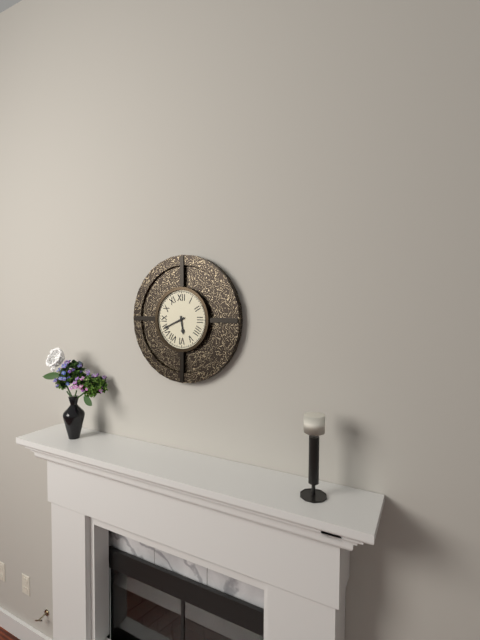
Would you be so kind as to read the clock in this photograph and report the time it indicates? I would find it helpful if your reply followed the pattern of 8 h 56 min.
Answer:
5 h 41 min
